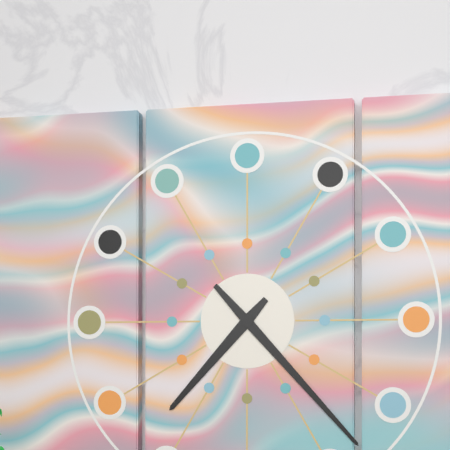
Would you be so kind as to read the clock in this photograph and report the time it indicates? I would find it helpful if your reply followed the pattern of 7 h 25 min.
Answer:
7 h 23 min
